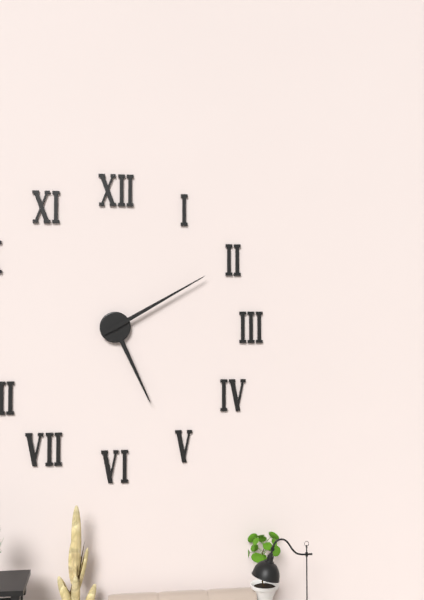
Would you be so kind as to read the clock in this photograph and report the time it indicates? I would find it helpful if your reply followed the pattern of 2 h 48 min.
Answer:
5 h 10 min
